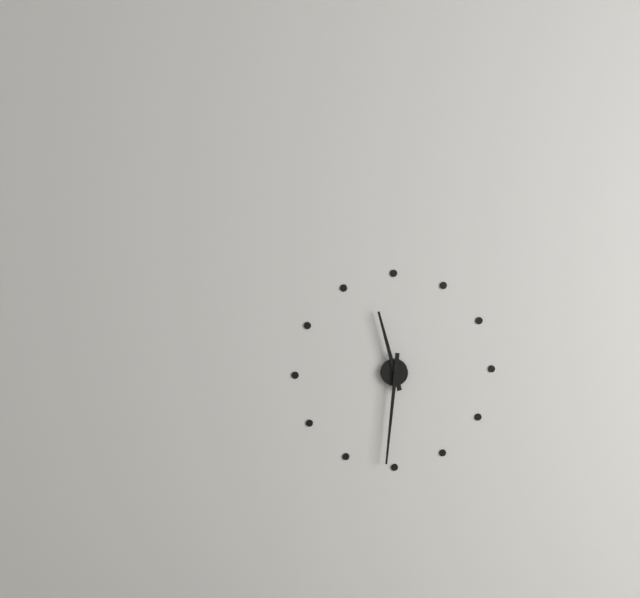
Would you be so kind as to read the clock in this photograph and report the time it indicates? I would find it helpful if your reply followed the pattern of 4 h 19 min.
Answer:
11 h 31 min
